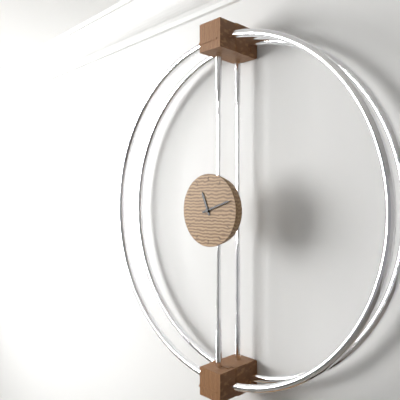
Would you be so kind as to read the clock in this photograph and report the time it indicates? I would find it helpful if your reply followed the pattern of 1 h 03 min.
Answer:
11 h 12 min
